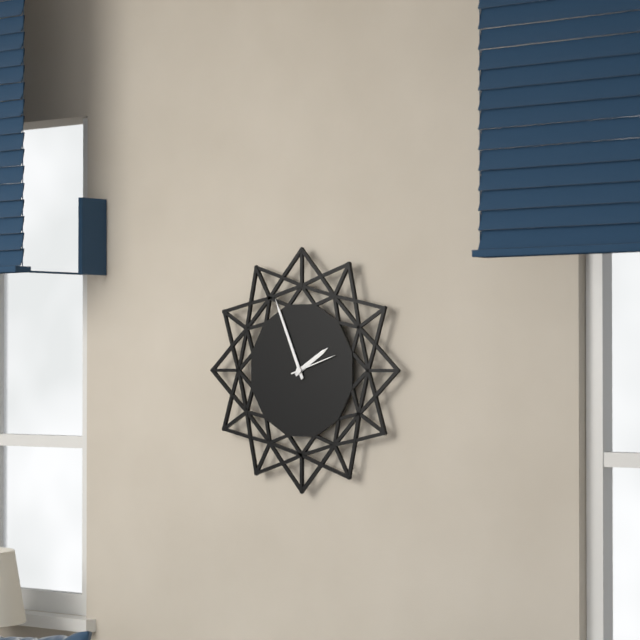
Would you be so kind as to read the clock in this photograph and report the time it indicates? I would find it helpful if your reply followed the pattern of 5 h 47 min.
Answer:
1 h 56 min
